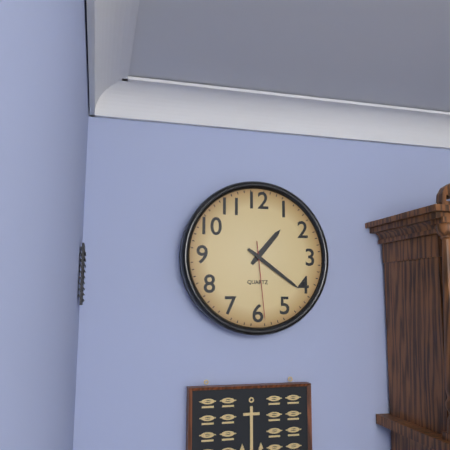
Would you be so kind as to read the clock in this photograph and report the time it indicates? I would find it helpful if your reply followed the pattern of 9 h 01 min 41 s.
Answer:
1 h 21 min 29 s
